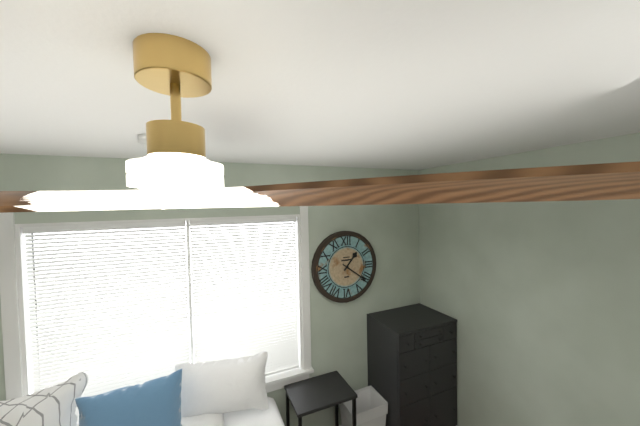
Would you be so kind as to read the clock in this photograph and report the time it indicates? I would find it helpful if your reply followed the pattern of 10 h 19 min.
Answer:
1 h 21 min
